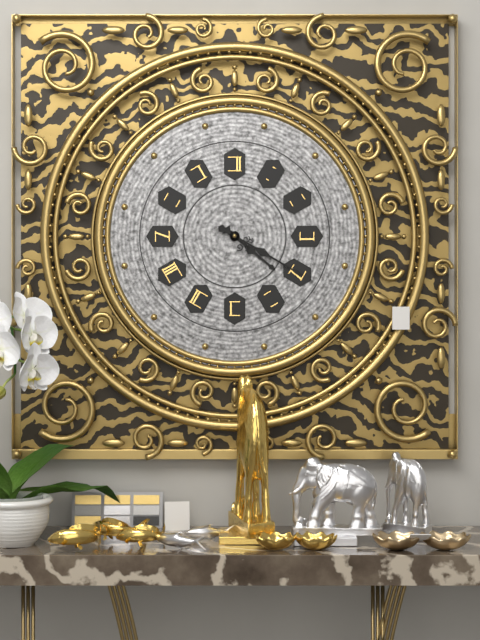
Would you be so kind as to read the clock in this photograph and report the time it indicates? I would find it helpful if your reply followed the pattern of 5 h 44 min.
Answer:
4 h 20 min
